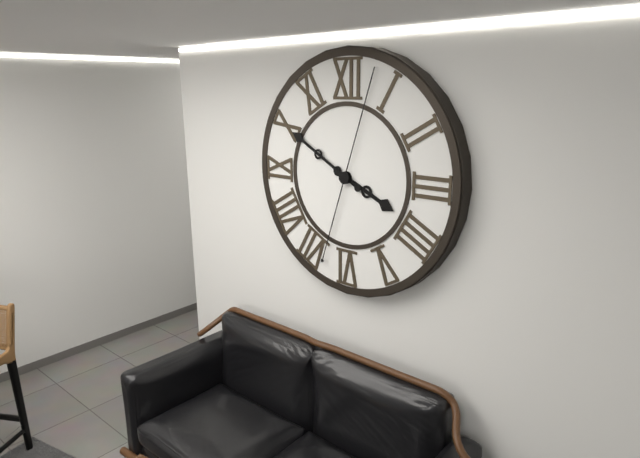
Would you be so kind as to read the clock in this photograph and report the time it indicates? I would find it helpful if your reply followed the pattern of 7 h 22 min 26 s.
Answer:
3 h 50 min 03 s
